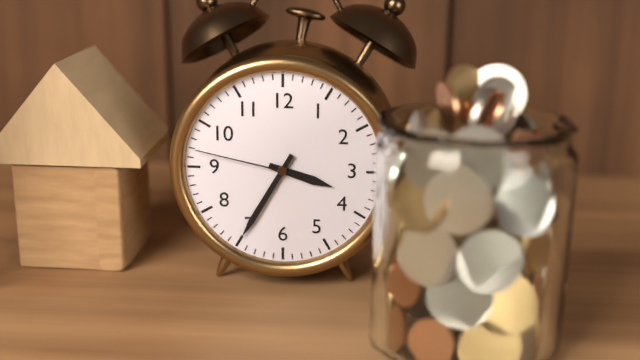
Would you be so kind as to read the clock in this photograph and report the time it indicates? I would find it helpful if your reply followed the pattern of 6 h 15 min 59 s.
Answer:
3 h 35 min 47 s
